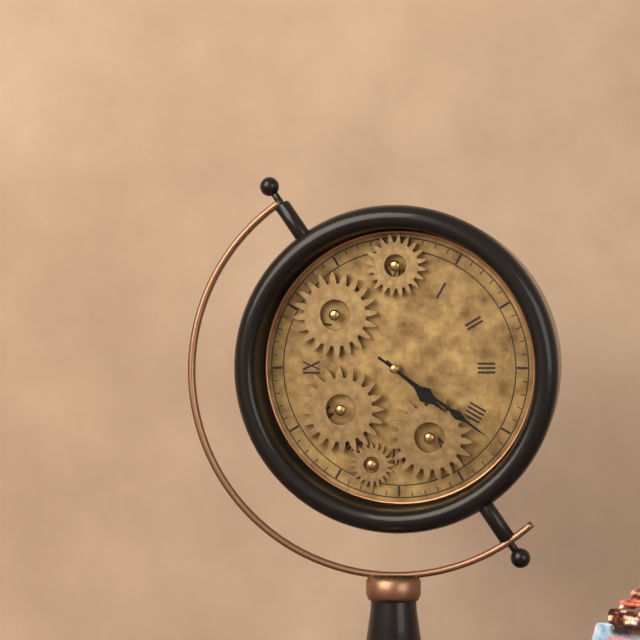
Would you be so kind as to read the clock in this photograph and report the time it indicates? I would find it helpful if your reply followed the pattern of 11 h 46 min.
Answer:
4 h 21 min
